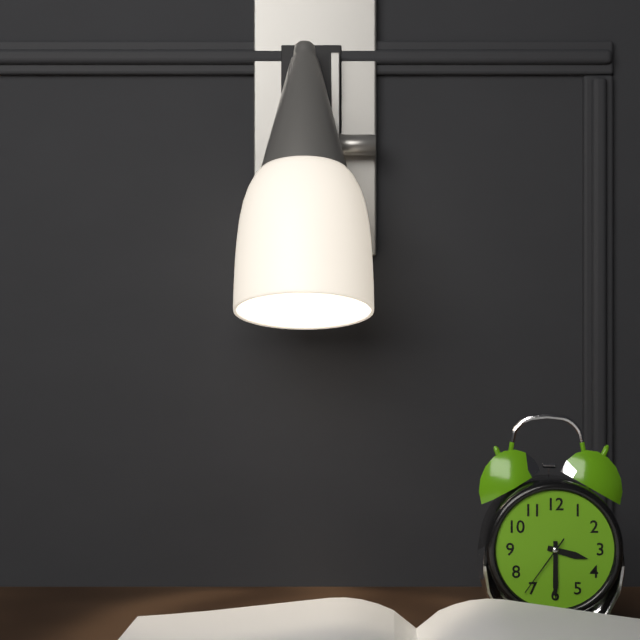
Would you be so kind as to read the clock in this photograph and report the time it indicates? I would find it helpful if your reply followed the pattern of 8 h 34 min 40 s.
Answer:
3 h 30 min 36 s
